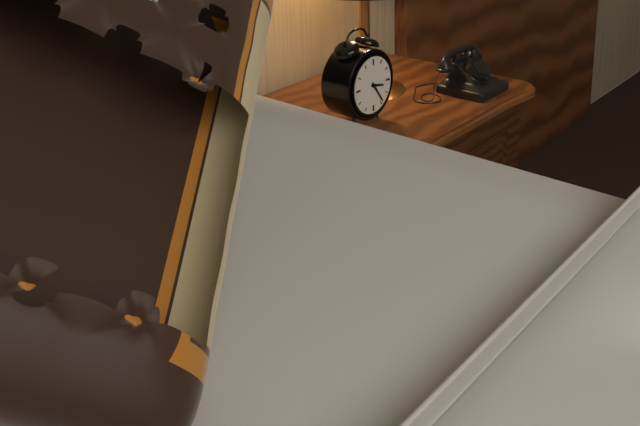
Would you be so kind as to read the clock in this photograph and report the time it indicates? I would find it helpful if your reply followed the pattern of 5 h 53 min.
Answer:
3 h 24 min
